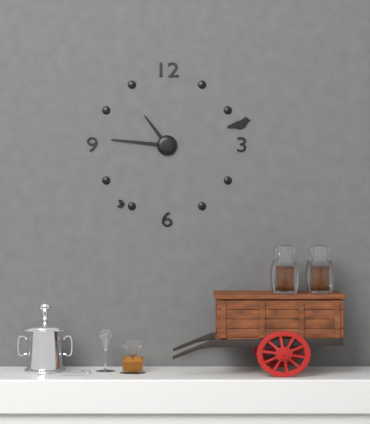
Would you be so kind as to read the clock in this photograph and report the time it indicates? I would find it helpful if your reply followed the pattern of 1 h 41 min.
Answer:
10 h 46 min
